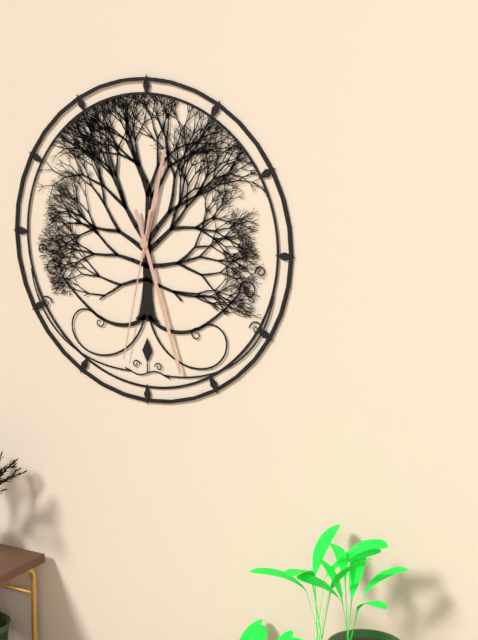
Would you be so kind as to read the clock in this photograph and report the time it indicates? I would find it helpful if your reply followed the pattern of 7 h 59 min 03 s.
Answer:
12 h 27 min 32 s
